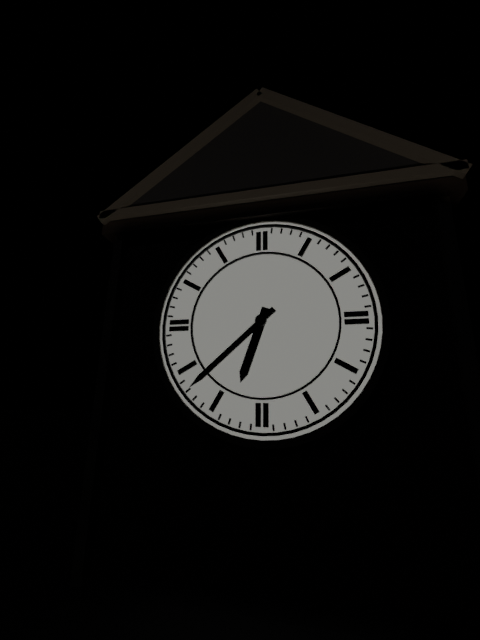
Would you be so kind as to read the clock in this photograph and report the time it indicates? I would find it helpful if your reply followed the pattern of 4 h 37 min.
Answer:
6 h 38 min
